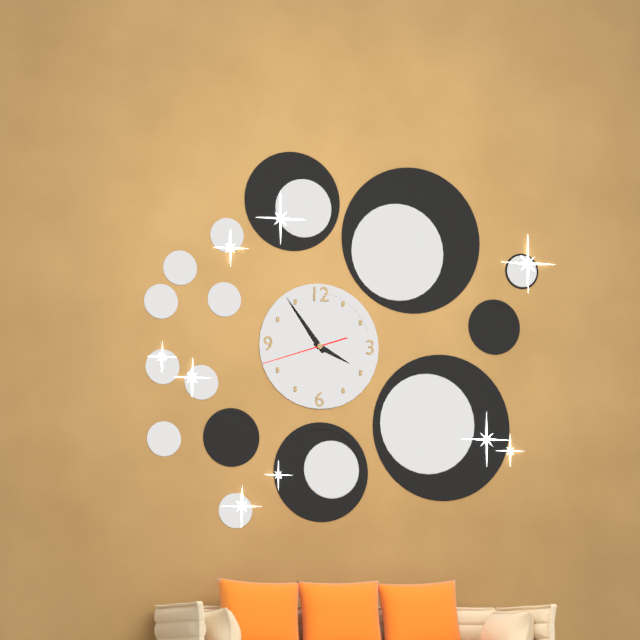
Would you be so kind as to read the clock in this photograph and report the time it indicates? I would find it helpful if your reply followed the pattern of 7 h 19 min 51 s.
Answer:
3 h 54 min 42 s
